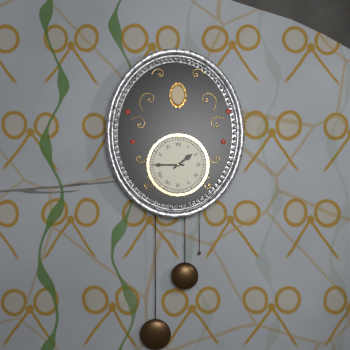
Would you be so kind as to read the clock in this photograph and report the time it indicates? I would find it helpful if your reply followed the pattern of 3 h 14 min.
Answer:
1 h 45 min
